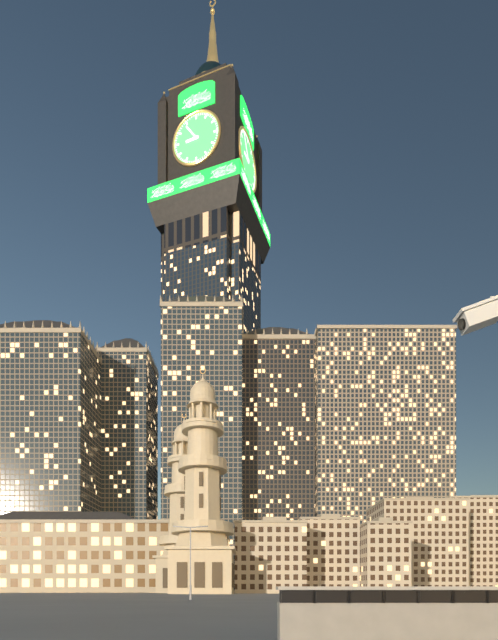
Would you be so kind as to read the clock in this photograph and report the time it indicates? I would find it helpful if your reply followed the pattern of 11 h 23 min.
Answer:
8 h 54 min
